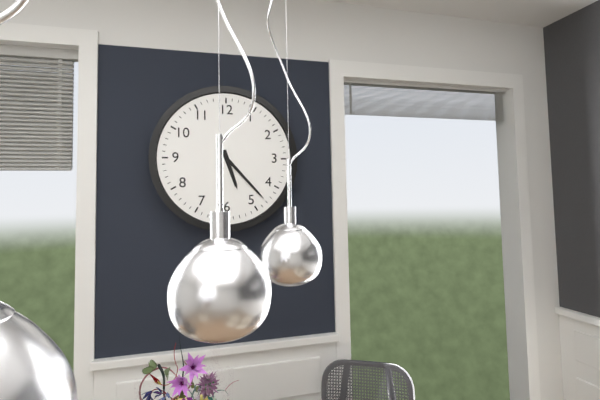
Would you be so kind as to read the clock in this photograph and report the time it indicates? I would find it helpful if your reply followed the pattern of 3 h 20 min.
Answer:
5 h 23 min
